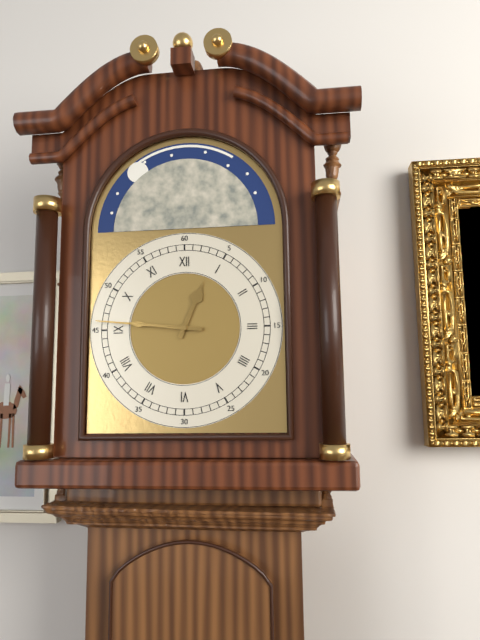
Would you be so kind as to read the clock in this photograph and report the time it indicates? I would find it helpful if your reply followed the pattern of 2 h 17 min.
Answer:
12 h 46 min
